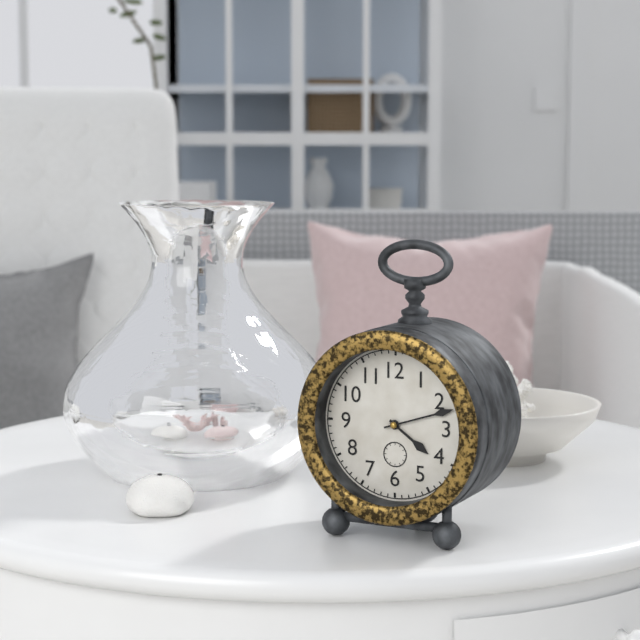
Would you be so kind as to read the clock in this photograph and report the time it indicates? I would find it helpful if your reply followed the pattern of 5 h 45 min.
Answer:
4 h 12 min
